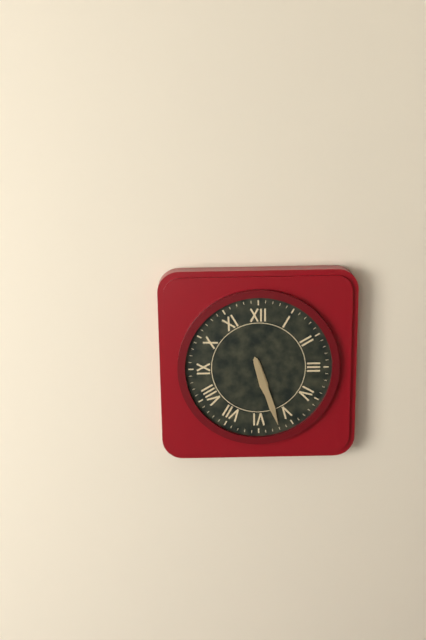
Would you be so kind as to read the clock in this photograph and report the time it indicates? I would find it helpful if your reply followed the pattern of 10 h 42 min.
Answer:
5 h 27 min
